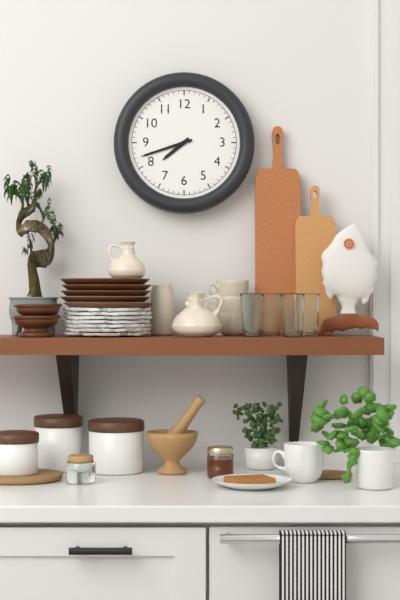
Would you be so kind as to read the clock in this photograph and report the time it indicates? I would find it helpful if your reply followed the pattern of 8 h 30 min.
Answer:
7 h 42 min
